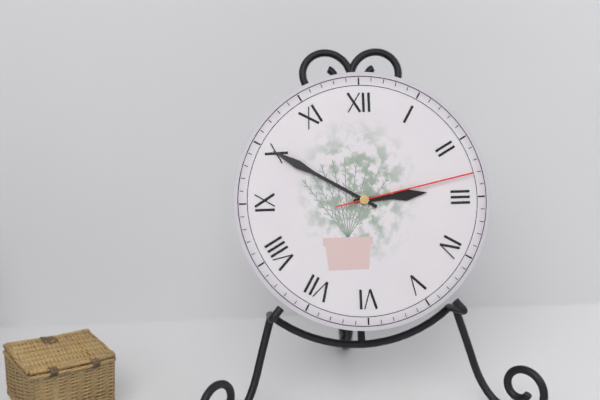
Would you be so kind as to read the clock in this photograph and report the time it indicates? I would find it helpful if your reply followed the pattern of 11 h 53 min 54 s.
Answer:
2 h 50 min 13 s
